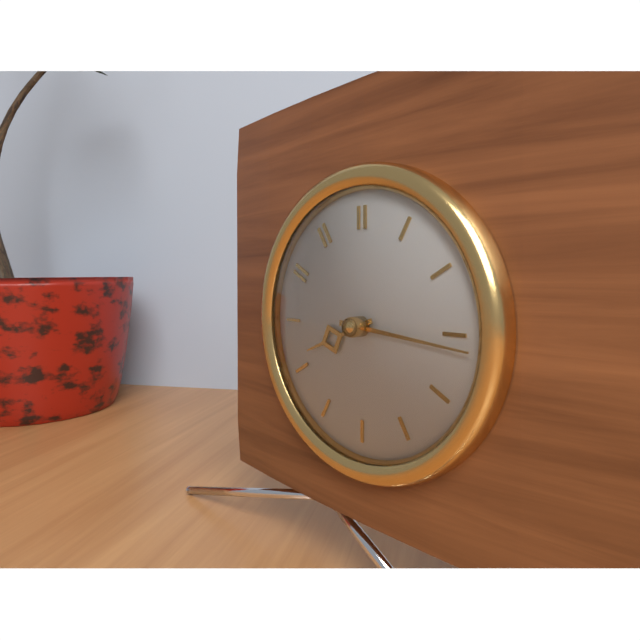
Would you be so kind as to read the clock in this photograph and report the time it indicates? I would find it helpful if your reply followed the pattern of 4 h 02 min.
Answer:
8 h 16 min
